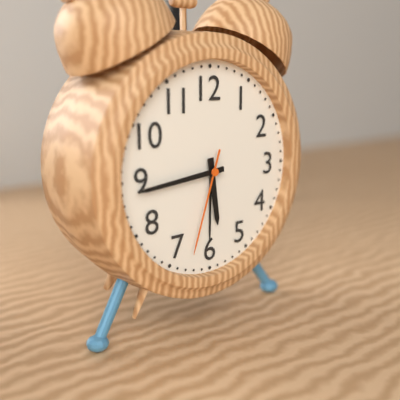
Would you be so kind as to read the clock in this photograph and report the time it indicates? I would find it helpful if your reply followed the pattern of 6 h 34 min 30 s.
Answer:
5 h 44 min 33 s
